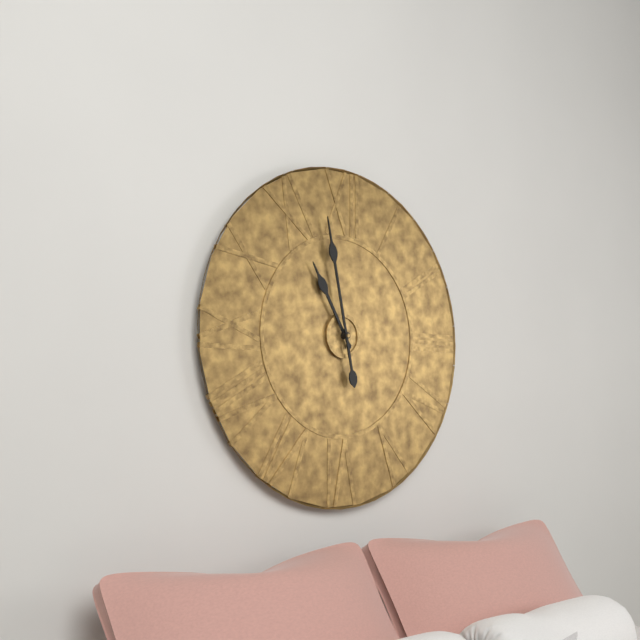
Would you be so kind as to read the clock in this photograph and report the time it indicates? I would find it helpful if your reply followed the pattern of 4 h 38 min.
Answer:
10 h 58 min
